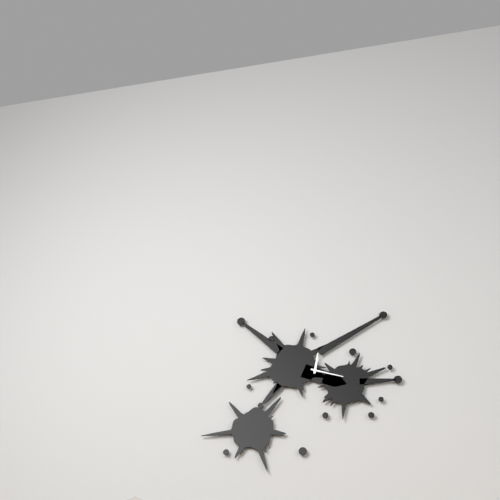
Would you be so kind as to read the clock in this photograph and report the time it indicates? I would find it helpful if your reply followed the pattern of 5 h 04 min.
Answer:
12 h 18 min
